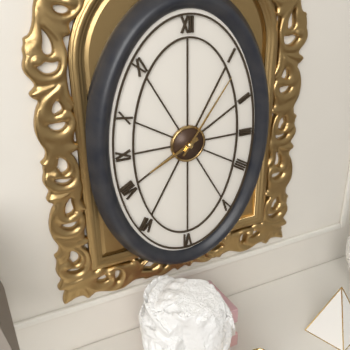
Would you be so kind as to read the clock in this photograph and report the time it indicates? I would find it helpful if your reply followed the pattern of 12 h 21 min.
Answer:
8 h 06 min
